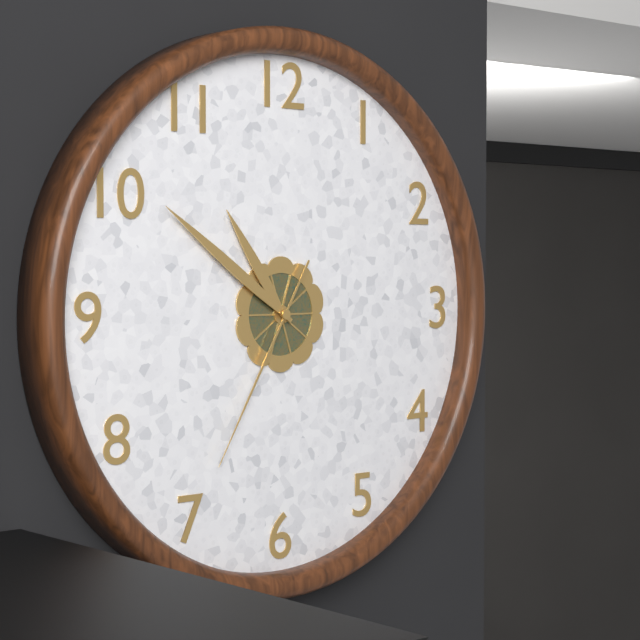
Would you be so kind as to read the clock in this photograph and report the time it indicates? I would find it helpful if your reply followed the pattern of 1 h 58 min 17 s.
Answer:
10 h 51 min 35 s
